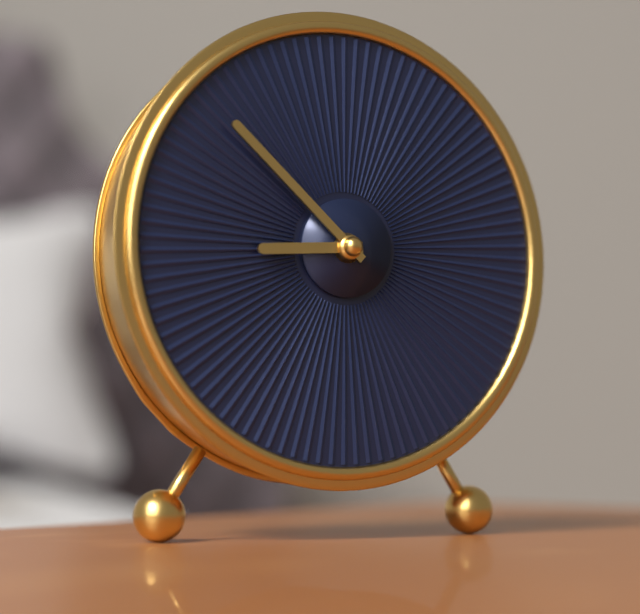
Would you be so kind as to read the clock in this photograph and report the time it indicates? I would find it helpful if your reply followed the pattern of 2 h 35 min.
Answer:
8 h 52 min
